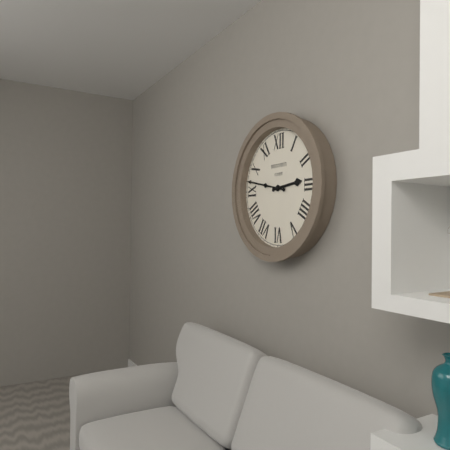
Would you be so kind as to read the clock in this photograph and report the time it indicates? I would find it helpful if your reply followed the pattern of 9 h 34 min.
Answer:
2 h 47 min
